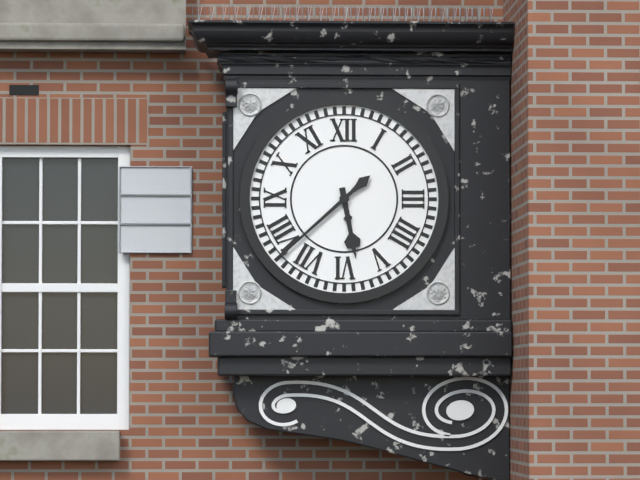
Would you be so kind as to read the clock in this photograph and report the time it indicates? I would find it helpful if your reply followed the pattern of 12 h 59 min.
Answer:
5 h 38 min
